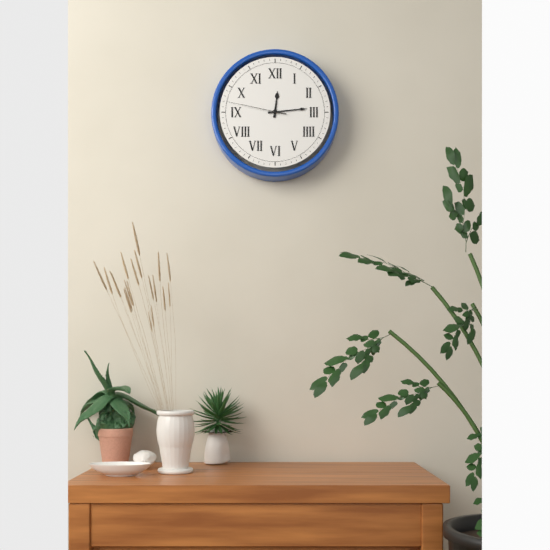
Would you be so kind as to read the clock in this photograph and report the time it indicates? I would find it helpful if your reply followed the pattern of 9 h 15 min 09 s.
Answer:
12 h 14 min 47 s
